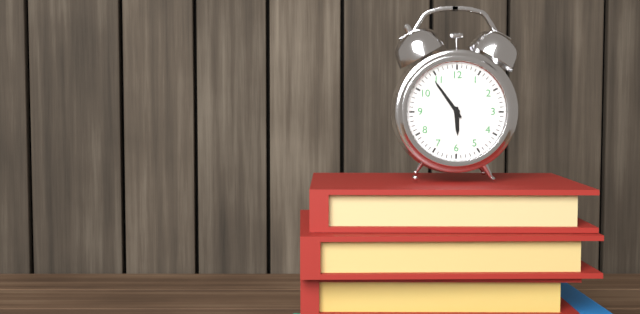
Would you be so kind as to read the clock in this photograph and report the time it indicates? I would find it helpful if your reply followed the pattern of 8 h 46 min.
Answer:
5 h 54 min
